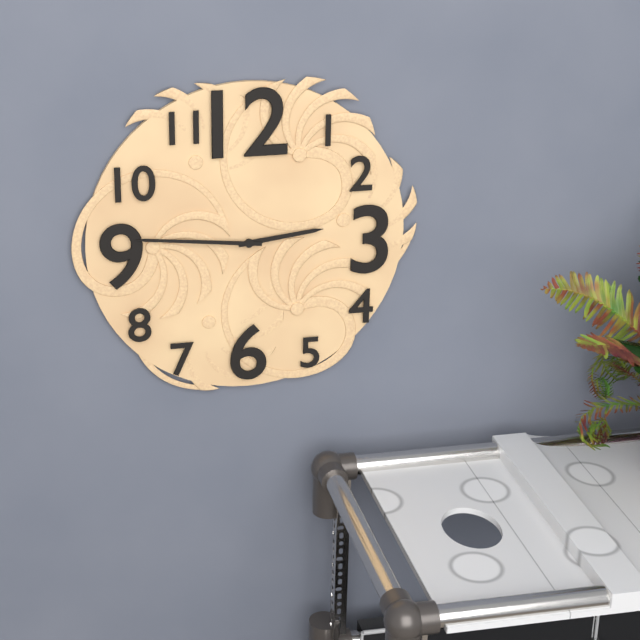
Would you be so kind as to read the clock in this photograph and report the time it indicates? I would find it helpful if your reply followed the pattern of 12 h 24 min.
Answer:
2 h 46 min
